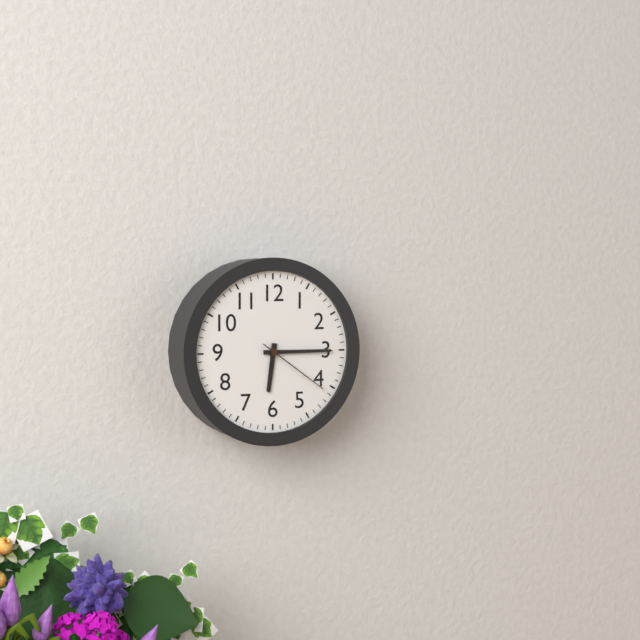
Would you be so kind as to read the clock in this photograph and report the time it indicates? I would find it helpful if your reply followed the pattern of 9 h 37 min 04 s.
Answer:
6 h 15 min 21 s
